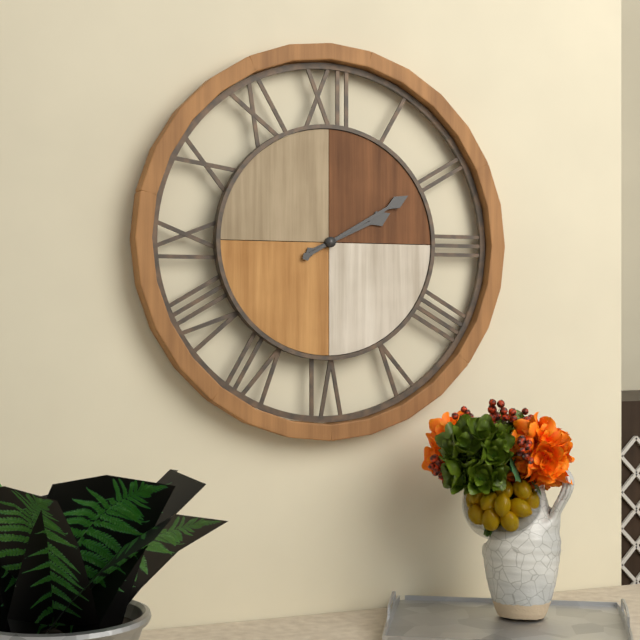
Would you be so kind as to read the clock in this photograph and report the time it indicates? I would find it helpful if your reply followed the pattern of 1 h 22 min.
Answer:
2 h 10 min
